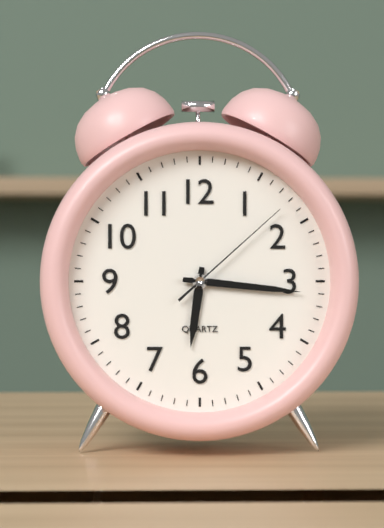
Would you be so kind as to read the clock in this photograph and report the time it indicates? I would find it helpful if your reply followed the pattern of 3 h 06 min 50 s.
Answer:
6 h 16 min 08 s
